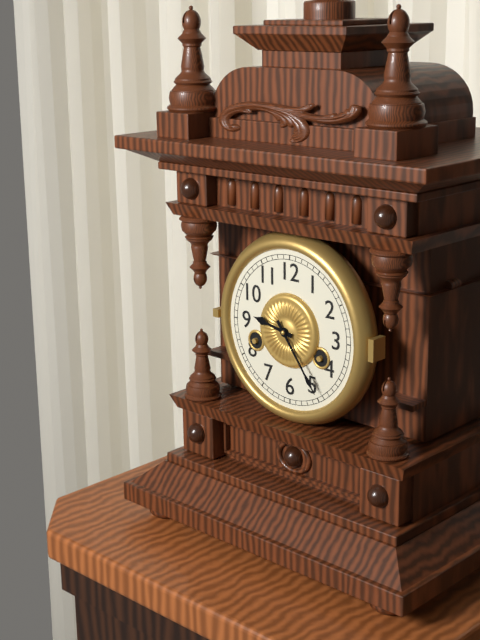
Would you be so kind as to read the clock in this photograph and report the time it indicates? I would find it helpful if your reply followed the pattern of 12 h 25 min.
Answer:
9 h 24 min
